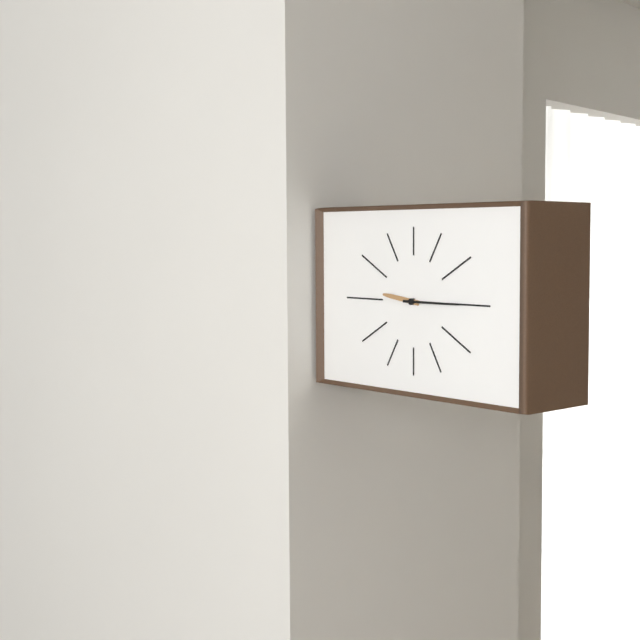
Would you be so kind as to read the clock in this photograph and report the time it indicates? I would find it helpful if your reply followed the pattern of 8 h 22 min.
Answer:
9 h 15 min
